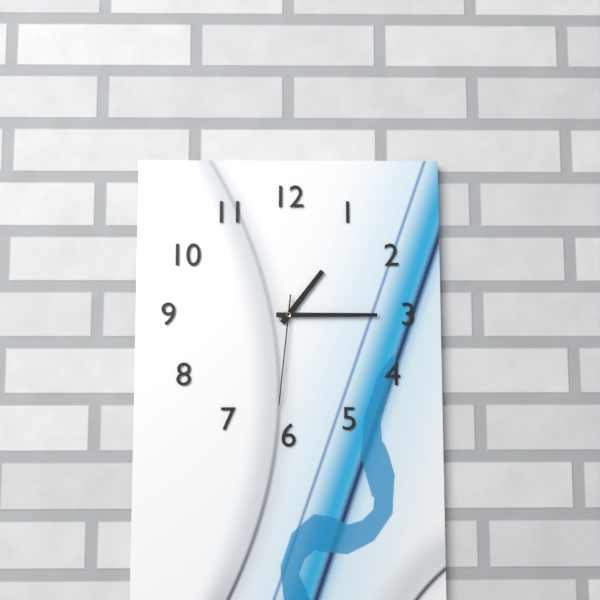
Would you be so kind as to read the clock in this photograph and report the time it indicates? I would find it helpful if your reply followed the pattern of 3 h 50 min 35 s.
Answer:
1 h 15 min 31 s
